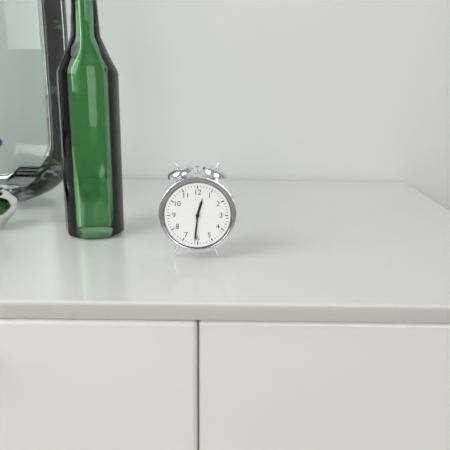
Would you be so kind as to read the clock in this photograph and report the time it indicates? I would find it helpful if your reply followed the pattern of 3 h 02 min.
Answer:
12 h 31 min
